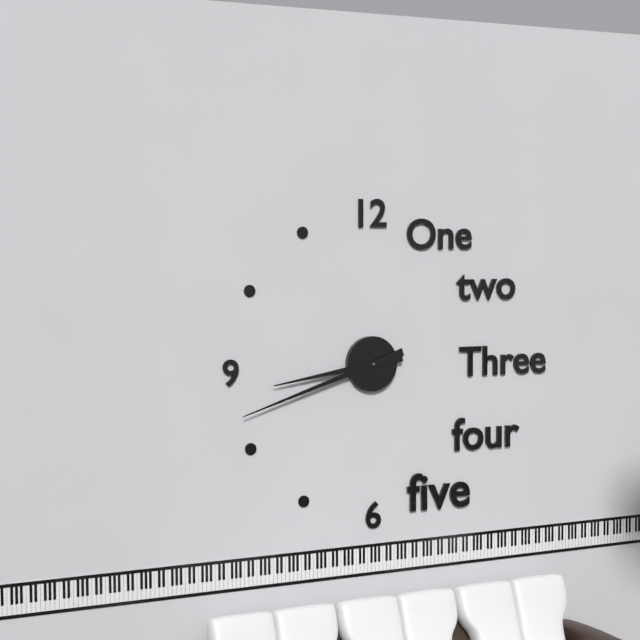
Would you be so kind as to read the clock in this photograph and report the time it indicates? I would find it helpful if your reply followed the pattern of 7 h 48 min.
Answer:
8 h 42 min
